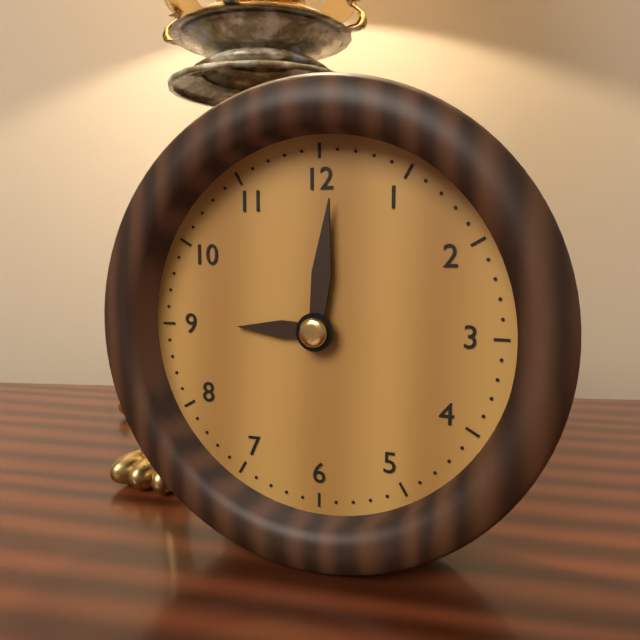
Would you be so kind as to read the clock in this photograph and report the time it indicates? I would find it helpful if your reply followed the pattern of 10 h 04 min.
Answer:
9 h 01 min
